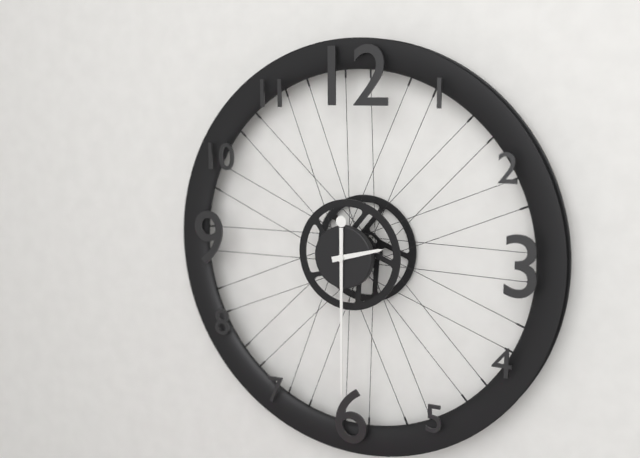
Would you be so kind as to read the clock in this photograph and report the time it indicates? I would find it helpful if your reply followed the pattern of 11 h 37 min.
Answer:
2 h 30 min
